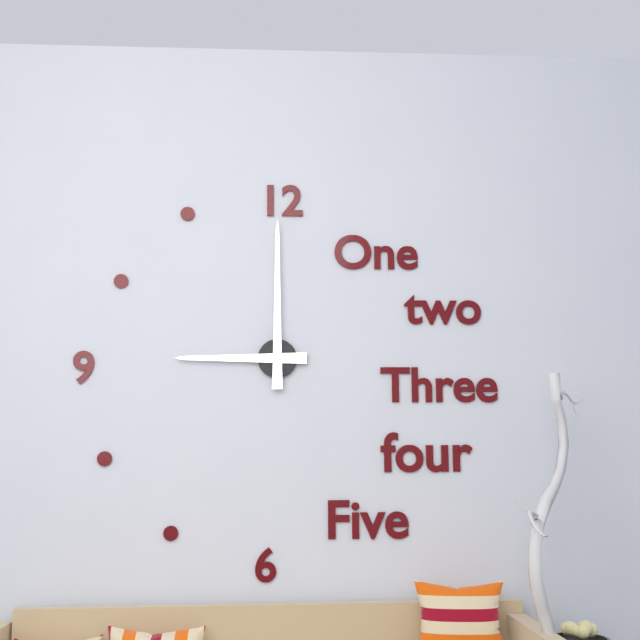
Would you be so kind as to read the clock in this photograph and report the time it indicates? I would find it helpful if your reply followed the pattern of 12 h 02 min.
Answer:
9 h 00 min
